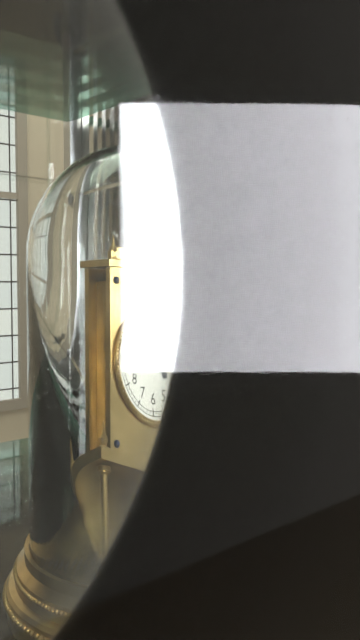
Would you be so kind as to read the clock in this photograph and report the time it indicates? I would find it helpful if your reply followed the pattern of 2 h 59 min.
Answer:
3 h 52 min
